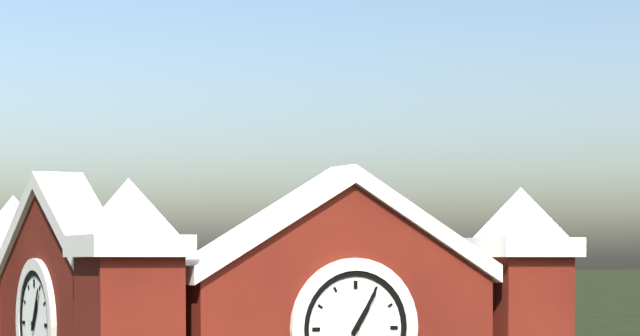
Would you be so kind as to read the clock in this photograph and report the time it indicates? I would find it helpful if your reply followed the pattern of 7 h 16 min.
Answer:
1 h 05 min
